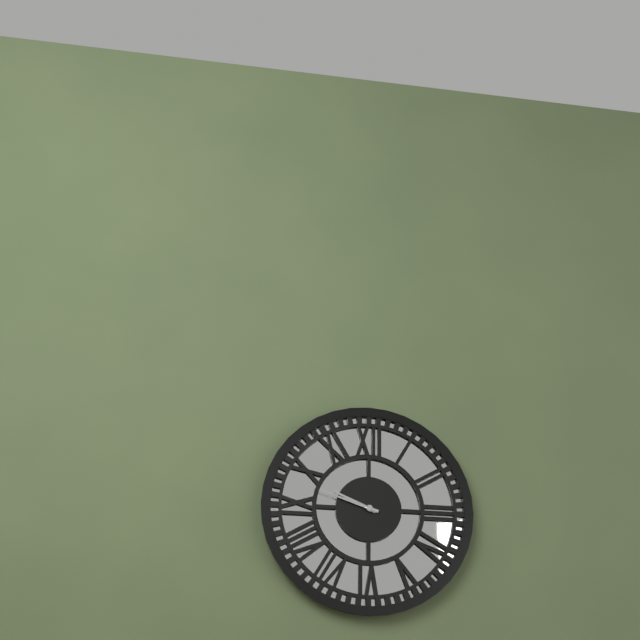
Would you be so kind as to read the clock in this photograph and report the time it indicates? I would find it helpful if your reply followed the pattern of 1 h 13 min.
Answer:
9 h 48 min
